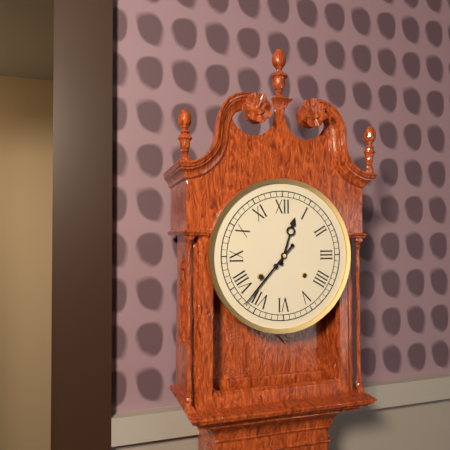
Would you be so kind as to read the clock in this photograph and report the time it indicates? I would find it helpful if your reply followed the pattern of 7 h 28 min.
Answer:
12 h 37 min
